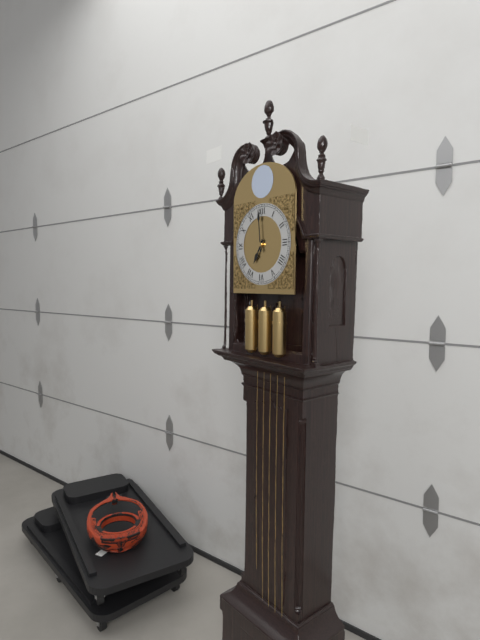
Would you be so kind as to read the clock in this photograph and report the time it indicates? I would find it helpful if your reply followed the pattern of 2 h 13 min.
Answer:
6 h 59 min
